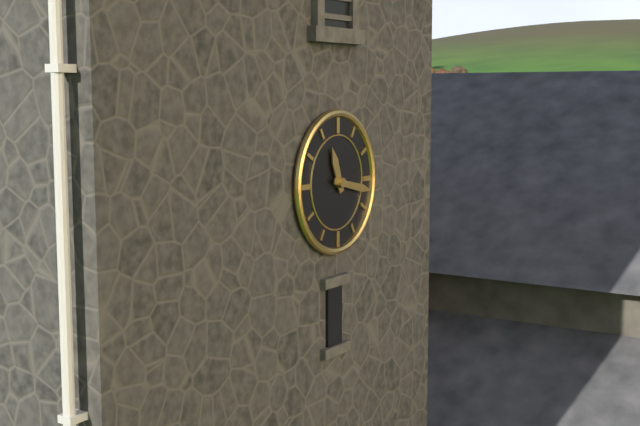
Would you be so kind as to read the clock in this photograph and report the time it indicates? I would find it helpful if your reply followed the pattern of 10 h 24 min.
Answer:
11 h 17 min
